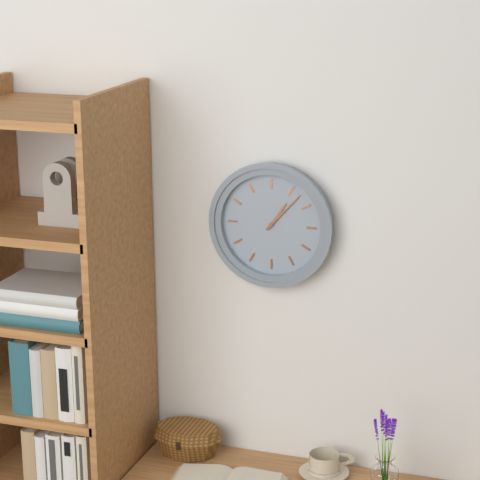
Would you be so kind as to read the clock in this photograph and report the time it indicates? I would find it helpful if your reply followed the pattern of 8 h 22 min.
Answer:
1 h 07 min
